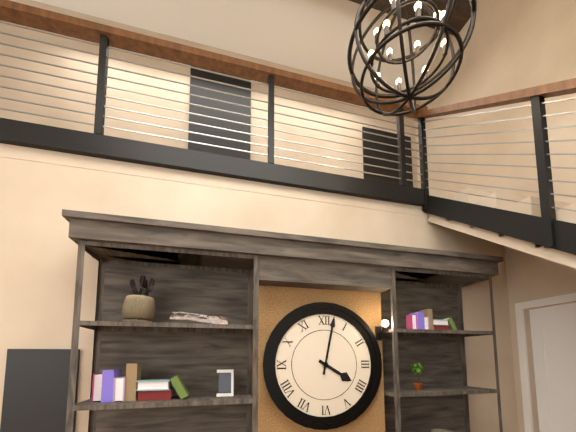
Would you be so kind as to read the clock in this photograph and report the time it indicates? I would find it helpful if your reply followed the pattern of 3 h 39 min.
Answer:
4 h 02 min
